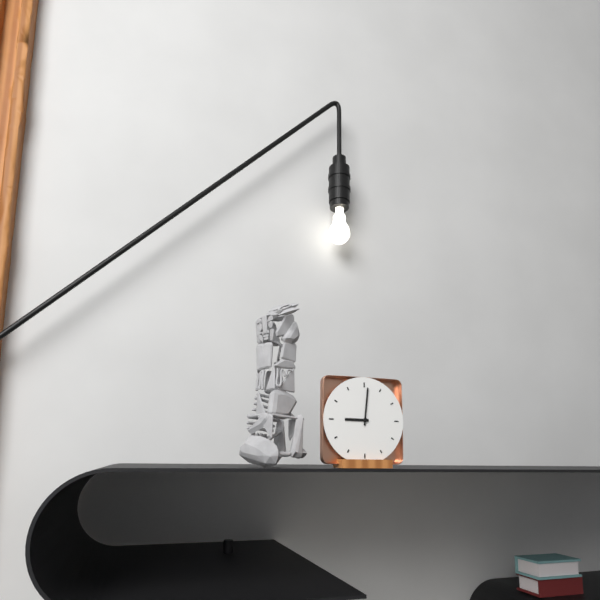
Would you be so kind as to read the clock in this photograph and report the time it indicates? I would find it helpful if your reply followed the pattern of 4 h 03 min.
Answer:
9 h 01 min
